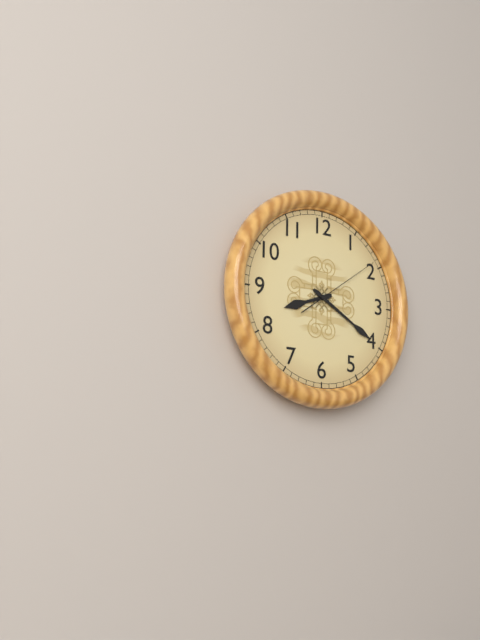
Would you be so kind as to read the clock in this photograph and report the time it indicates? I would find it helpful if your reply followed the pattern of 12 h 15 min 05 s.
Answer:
8 h 20 min 09 s
